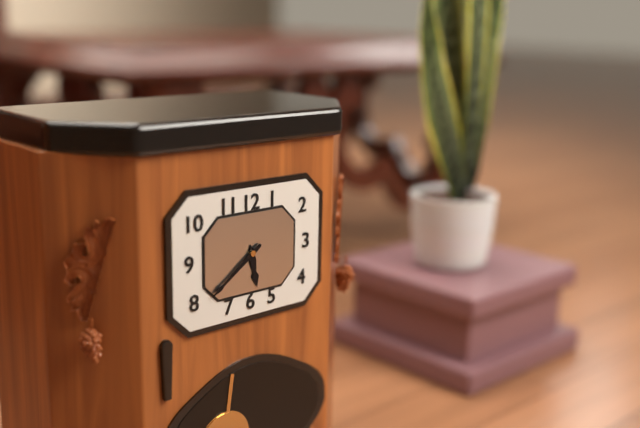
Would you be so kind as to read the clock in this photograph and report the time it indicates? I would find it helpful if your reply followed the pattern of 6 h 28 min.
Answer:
5 h 39 min
